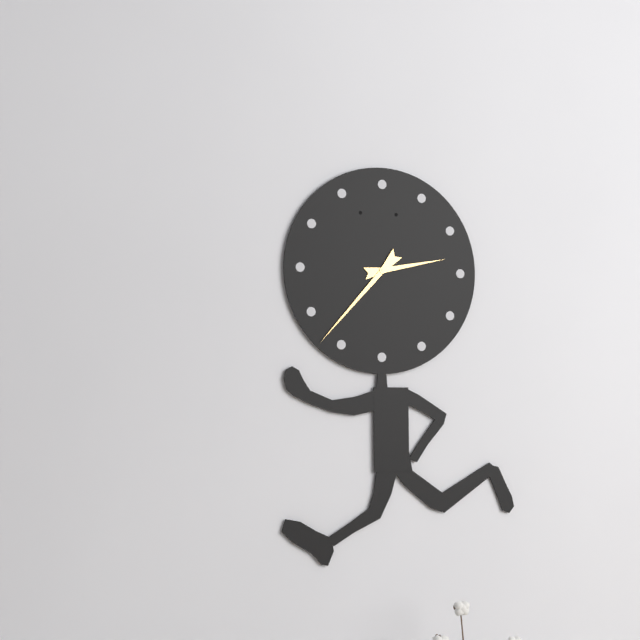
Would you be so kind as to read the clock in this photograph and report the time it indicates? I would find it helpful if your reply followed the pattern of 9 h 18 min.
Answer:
2 h 37 min
